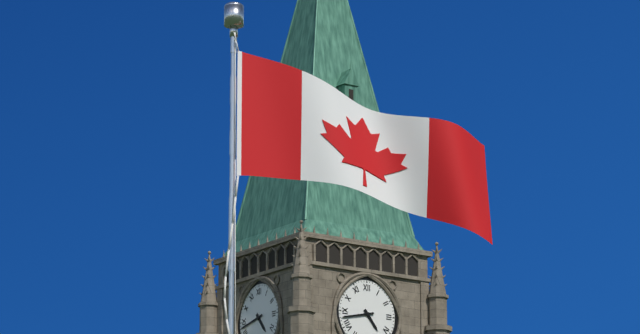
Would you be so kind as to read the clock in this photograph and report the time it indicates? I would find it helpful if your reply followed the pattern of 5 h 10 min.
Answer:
4 h 43 min
